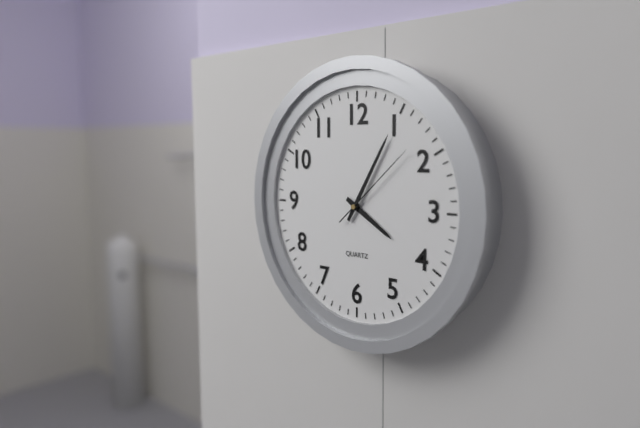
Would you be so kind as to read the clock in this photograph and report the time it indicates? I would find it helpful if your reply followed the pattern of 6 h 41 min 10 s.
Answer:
4 h 05 min 08 s
